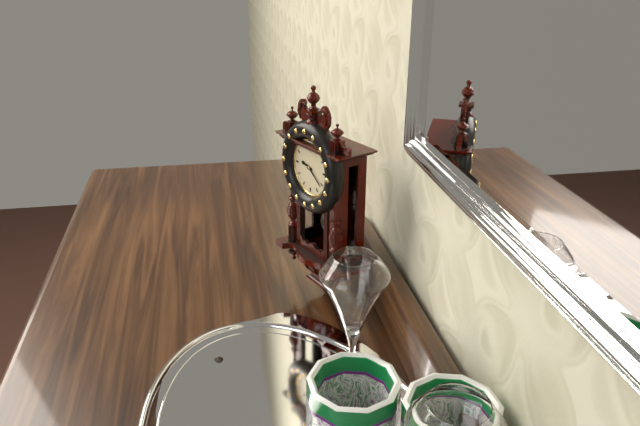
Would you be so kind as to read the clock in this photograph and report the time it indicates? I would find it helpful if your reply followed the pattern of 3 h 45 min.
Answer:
9 h 21 min
